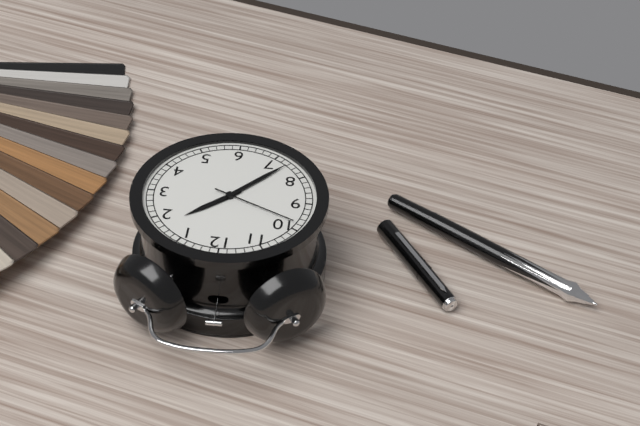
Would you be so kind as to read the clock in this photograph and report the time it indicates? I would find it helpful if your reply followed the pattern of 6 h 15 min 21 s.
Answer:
1 h 37 min 49 s
